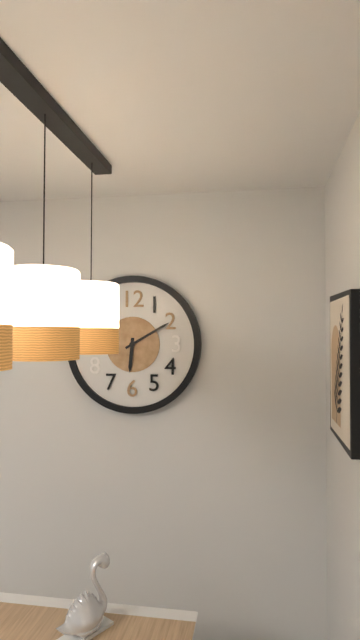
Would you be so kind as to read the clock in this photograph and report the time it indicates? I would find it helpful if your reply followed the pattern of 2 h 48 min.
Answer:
6 h 10 min
